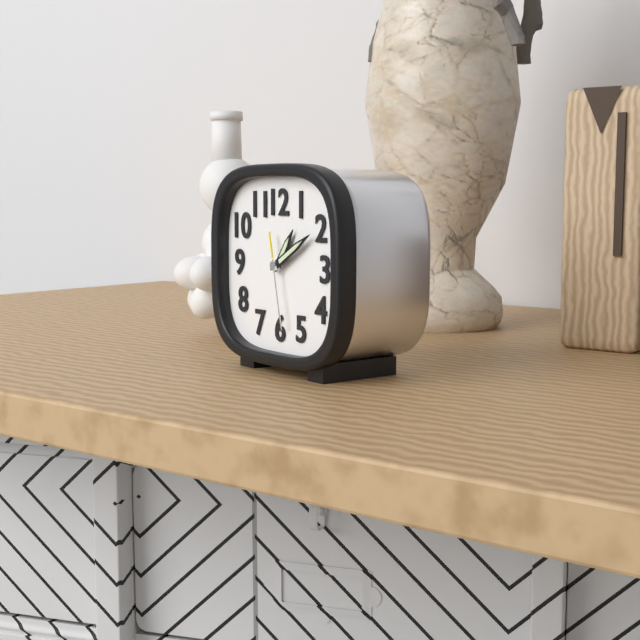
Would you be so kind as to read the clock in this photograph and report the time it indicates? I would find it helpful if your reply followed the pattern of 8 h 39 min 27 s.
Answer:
1 h 10 min 28 s
